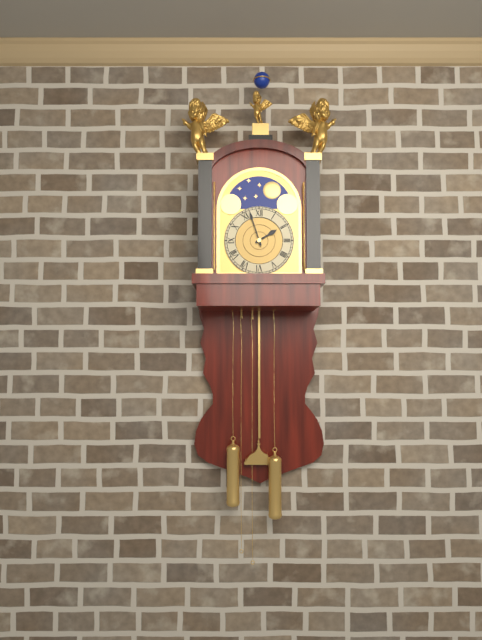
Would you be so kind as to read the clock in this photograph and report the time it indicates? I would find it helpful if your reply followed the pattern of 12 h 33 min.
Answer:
1 h 57 min
